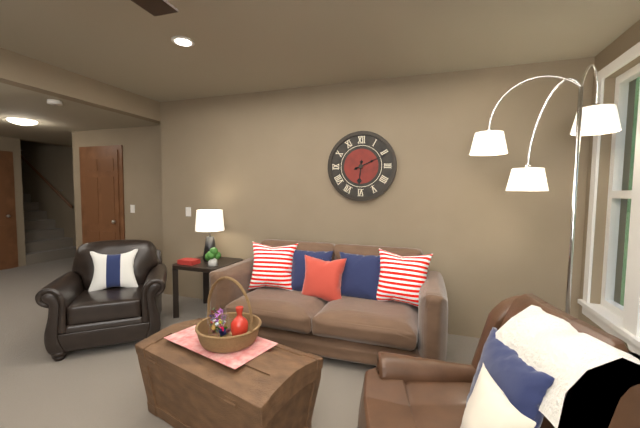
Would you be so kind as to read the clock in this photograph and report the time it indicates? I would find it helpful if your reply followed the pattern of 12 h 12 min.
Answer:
6 h 11 min
